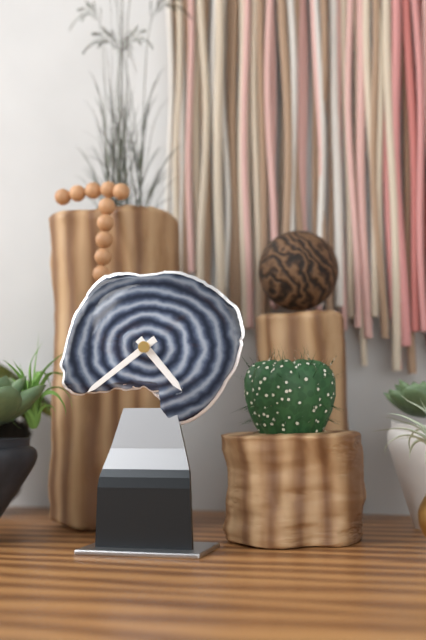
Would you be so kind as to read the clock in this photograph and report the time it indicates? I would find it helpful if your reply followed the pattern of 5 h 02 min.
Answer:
4 h 39 min
